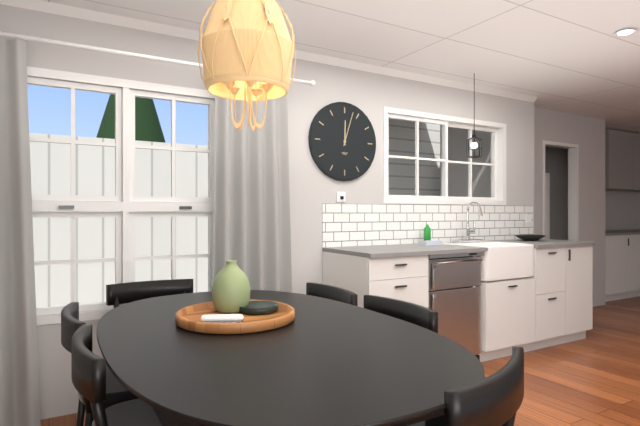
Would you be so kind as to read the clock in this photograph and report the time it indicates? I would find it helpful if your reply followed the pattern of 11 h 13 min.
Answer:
12 h 03 min
